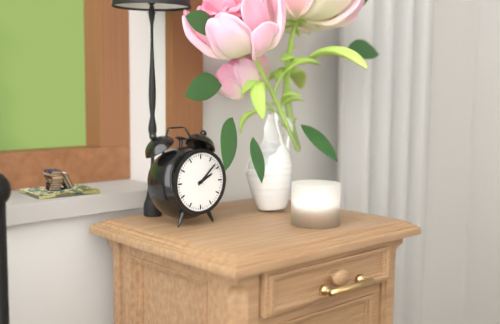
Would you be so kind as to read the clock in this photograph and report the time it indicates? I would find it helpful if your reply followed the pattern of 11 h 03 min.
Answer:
2 h 08 min
